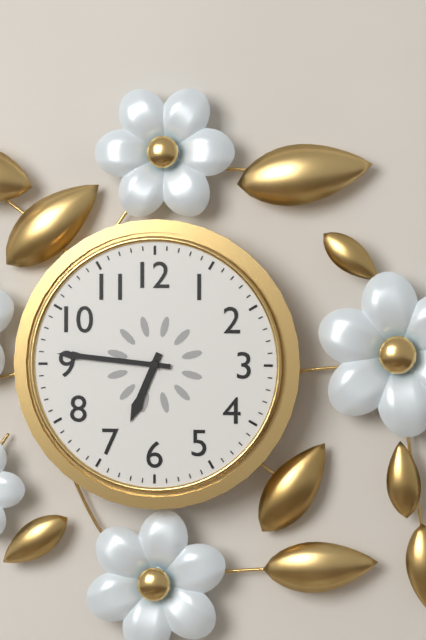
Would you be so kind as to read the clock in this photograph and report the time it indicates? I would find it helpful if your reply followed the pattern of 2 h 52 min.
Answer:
6 h 46 min
